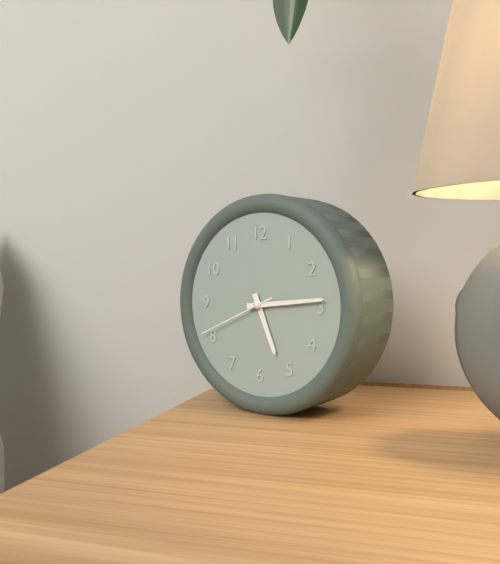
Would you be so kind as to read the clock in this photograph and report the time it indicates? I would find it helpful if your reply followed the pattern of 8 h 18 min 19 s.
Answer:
5 h 14 min 41 s
